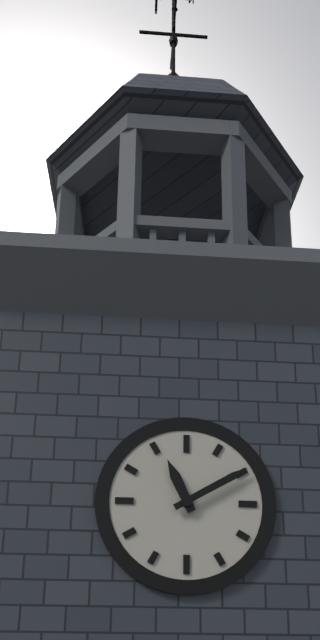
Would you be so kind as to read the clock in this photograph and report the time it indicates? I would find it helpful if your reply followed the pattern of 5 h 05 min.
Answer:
11 h 10 min
